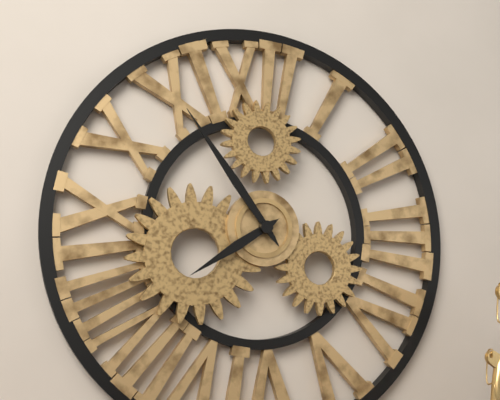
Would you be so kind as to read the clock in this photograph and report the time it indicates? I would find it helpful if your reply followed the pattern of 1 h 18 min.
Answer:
7 h 54 min
